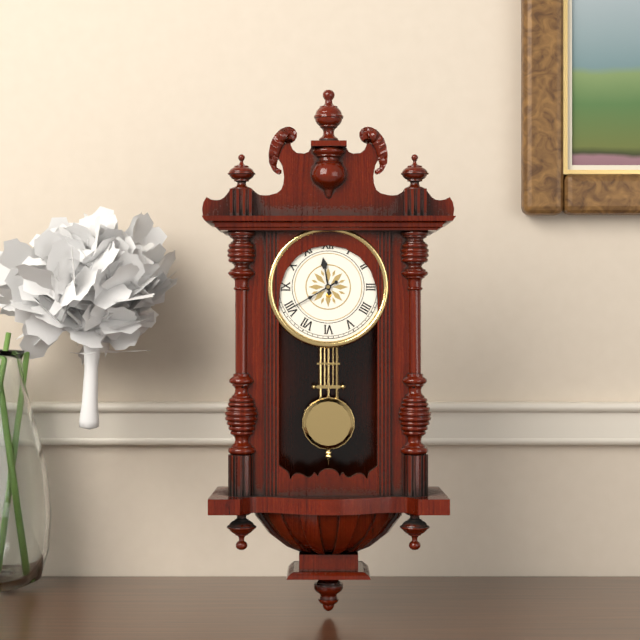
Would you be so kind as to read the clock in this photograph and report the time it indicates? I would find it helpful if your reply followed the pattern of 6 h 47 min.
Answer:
11 h 40 min
